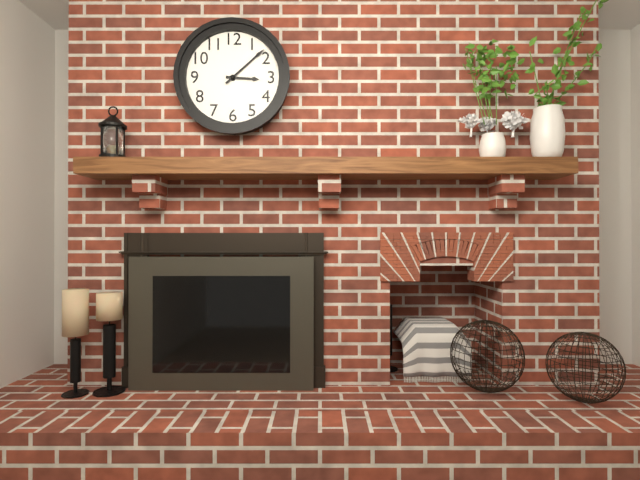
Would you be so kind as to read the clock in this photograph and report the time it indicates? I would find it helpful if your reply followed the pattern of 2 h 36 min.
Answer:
3 h 08 min
